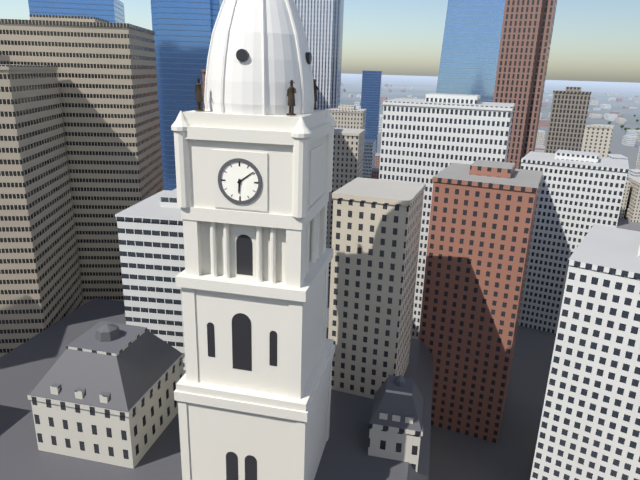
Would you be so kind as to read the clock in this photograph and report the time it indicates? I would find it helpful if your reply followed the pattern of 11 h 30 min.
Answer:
6 h 09 min
